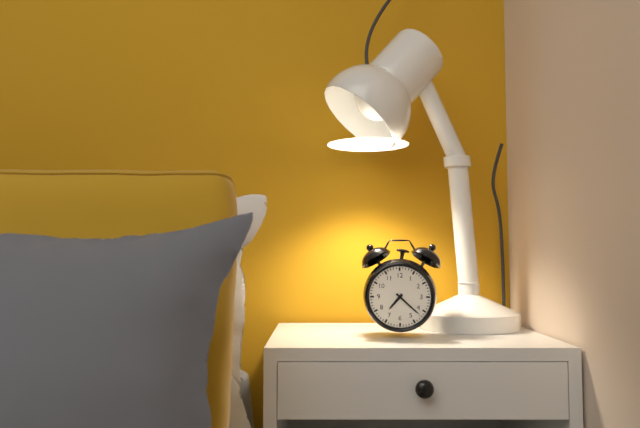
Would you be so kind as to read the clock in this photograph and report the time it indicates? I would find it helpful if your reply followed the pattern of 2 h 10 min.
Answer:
7 h 22 min
